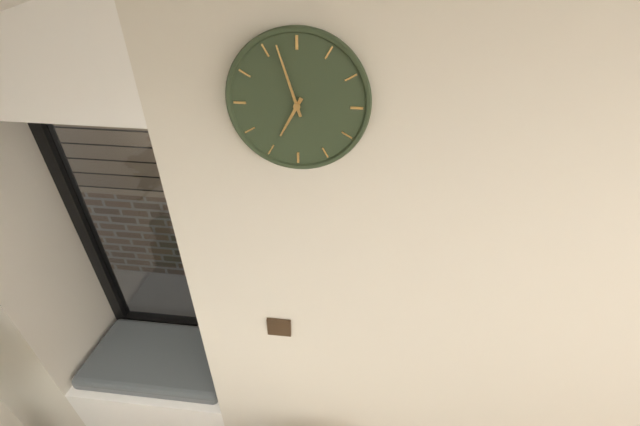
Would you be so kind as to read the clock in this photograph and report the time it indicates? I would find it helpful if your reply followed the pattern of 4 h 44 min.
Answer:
6 h 57 min
